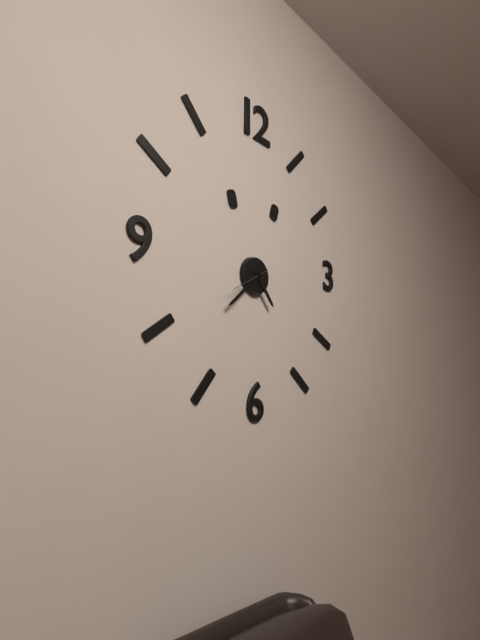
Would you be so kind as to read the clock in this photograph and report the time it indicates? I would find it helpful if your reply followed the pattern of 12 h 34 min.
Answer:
4 h 38 min
